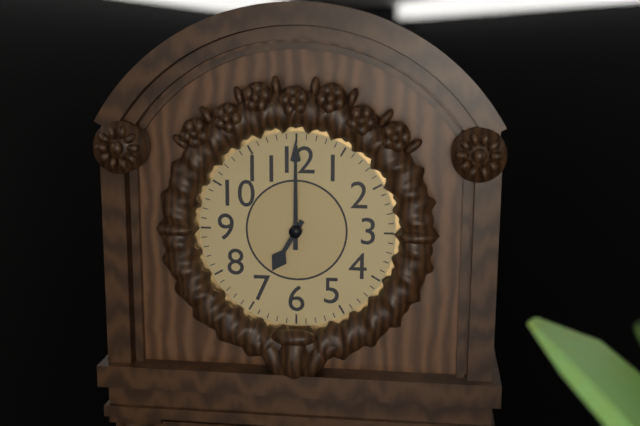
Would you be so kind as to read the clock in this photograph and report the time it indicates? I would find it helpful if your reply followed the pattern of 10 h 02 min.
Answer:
7 h 00 min
